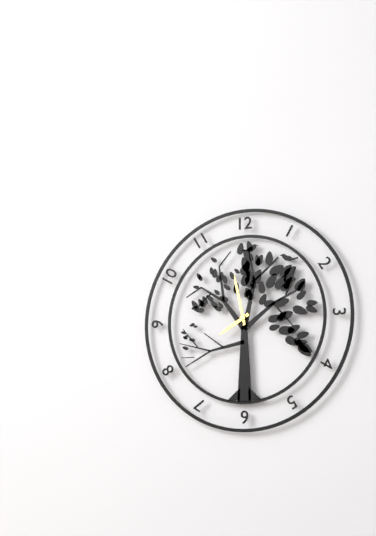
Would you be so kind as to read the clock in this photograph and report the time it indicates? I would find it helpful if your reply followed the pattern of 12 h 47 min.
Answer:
7 h 58 min
